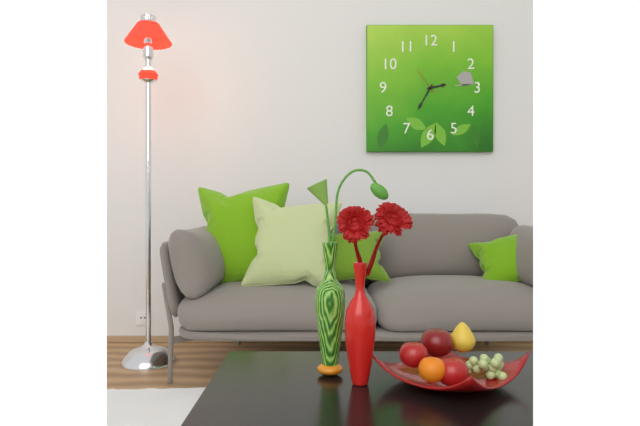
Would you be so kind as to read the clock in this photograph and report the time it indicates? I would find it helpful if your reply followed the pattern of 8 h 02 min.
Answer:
2 h 35 min
